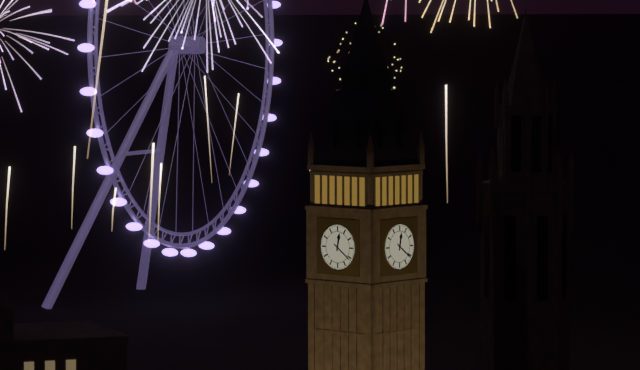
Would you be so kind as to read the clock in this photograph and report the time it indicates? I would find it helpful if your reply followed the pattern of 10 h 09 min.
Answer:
12 h 21 min
